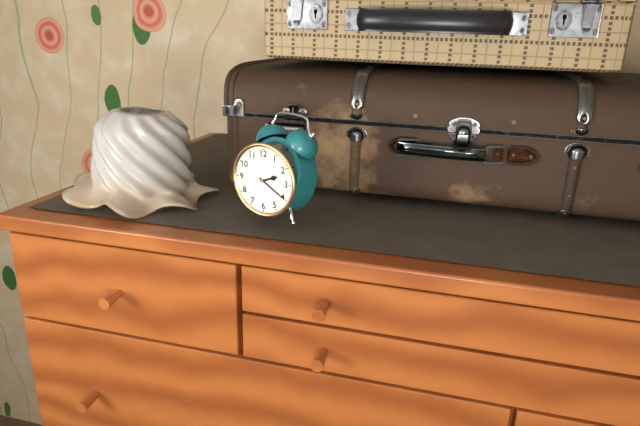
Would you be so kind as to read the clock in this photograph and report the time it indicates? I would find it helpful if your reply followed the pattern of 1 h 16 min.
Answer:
2 h 20 min
